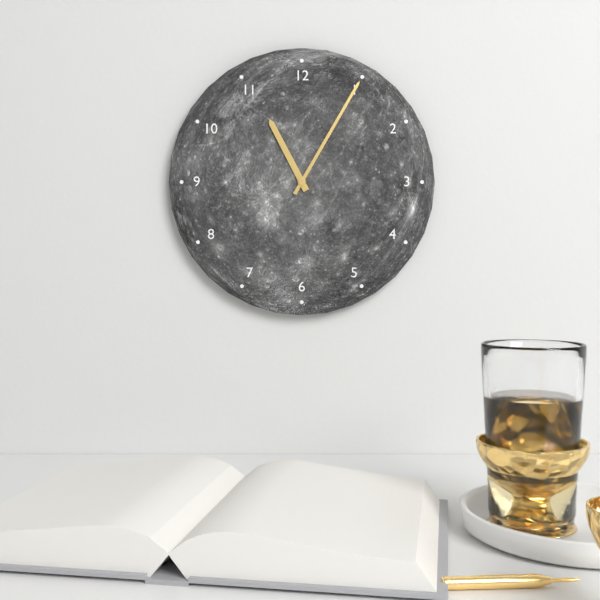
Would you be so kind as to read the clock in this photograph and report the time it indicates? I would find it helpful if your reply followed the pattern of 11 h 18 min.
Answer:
11 h 05 min
